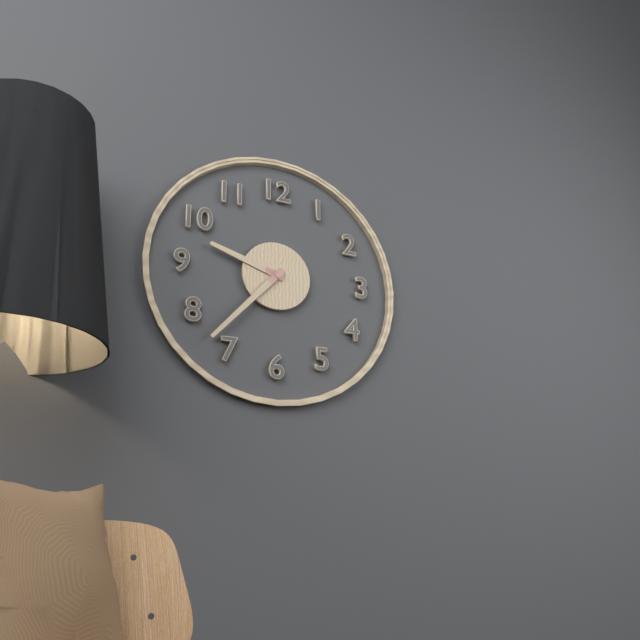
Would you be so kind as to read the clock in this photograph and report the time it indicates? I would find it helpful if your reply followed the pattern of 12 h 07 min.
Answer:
9 h 37 min
